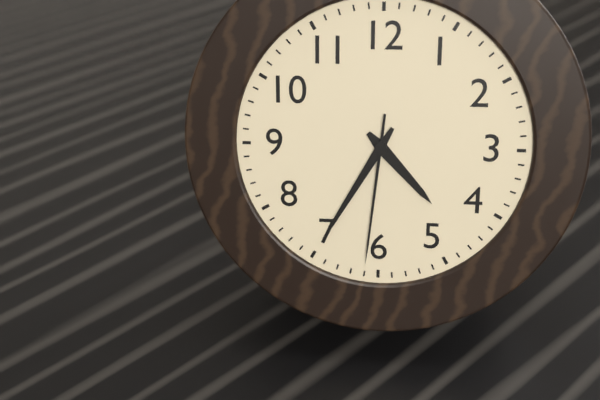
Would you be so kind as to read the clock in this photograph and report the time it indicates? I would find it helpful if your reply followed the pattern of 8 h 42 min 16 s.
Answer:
4 h 35 min 31 s
